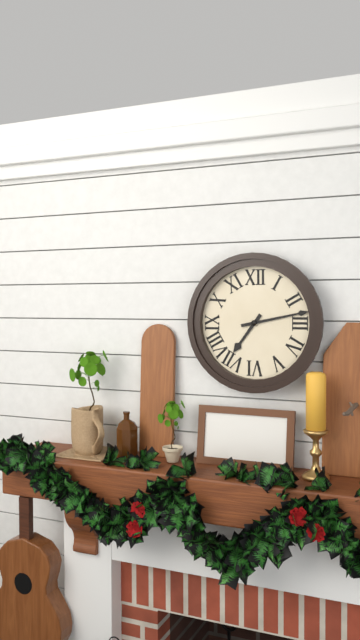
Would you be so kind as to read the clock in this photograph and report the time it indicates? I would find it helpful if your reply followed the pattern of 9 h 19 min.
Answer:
7 h 13 min
